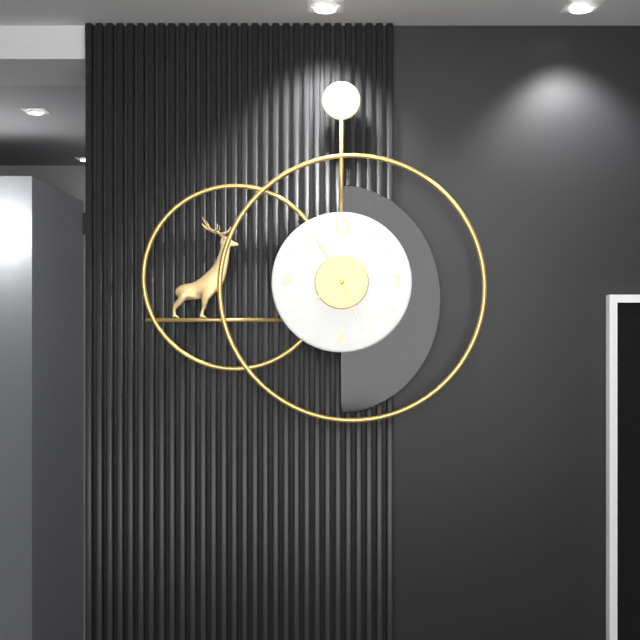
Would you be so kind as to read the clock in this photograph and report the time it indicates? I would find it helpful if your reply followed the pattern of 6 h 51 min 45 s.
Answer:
7 h 55 min 26 s
